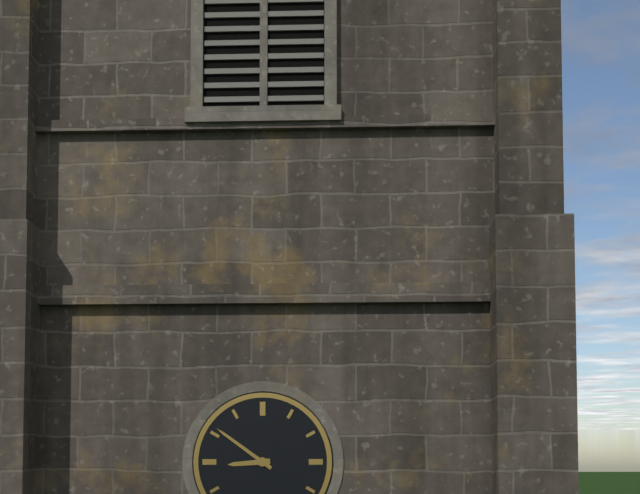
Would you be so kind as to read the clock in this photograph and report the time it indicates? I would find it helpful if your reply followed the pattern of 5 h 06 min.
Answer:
8 h 51 min
